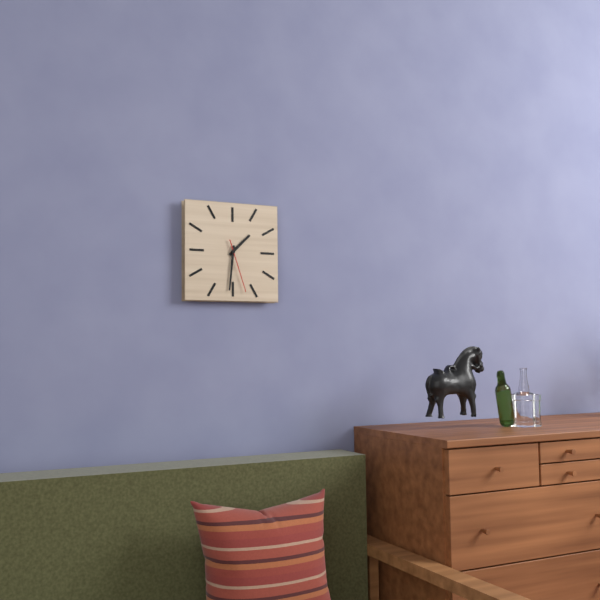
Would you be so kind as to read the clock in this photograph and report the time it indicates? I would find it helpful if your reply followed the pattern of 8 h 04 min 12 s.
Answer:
1 h 31 min 27 s
